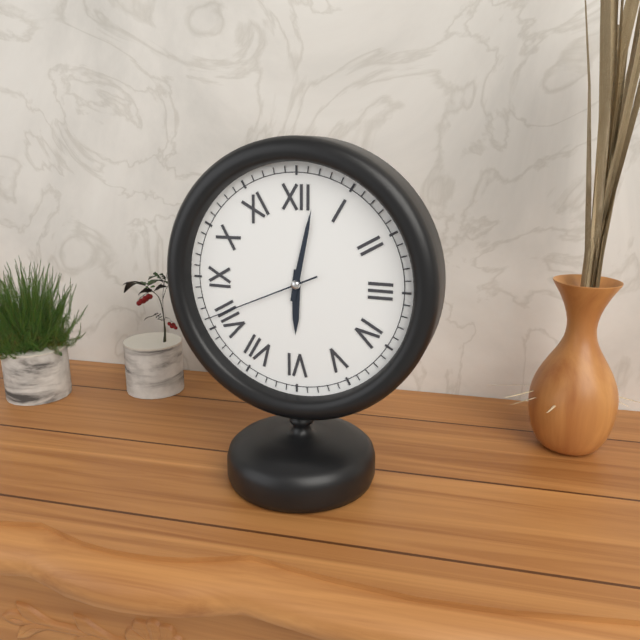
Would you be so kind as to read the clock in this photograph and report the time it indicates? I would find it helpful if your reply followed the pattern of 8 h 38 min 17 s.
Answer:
6 h 02 min 41 s
